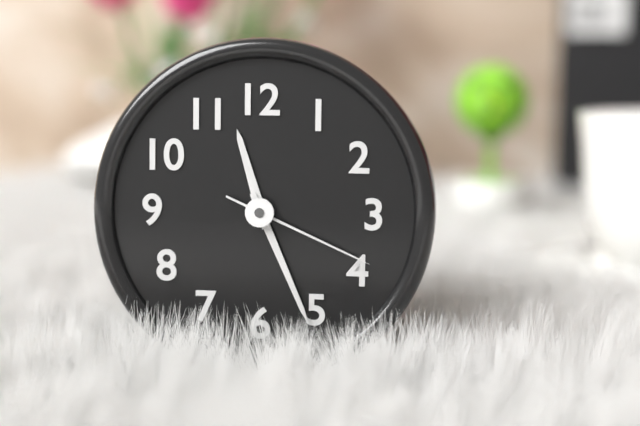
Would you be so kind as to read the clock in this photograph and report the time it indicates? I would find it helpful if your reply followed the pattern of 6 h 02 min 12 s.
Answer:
11 h 26 min 19 s
